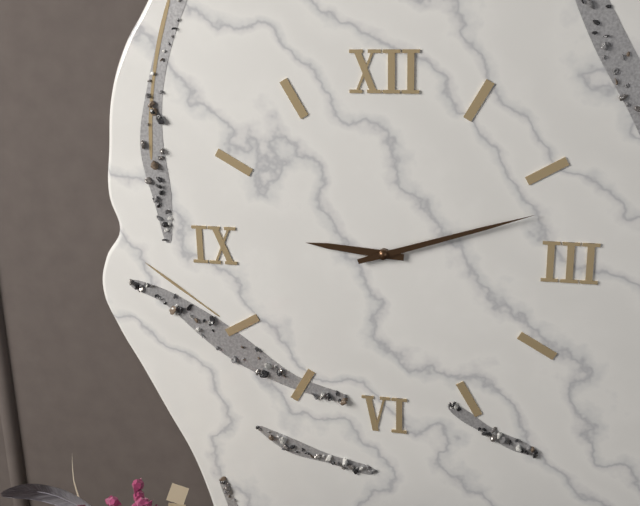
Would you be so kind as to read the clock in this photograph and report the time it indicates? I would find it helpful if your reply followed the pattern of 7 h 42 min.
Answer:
9 h 12 min
